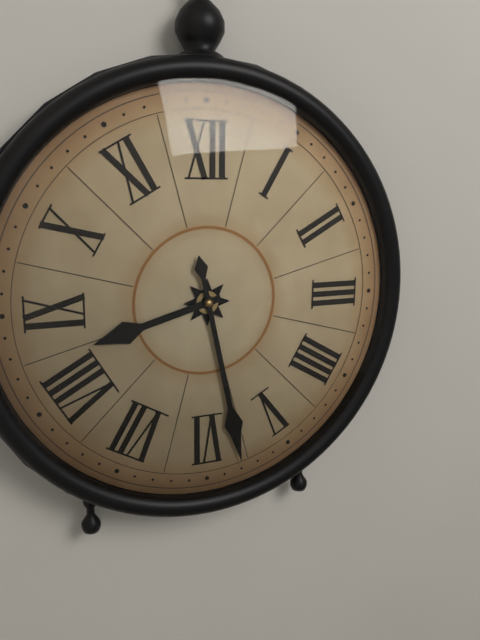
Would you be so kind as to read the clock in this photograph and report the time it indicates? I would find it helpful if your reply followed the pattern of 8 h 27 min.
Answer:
8 h 28 min
